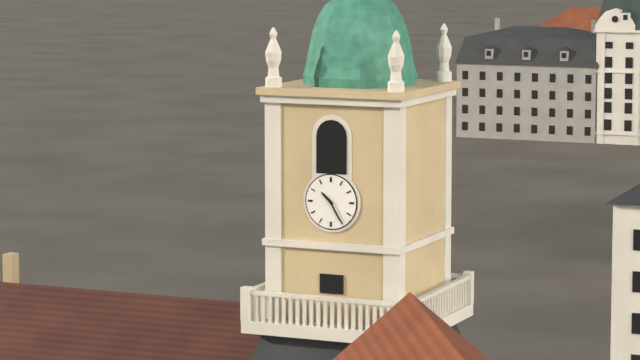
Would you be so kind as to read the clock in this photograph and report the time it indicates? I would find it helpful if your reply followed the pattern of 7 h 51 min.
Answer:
10 h 25 min
